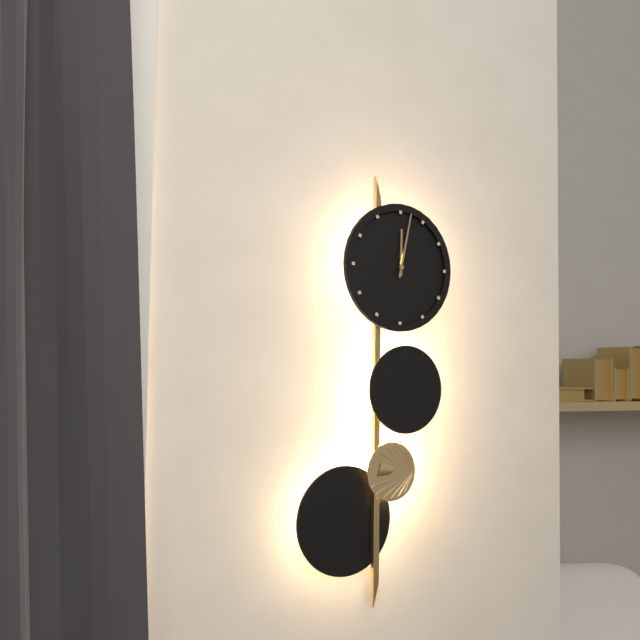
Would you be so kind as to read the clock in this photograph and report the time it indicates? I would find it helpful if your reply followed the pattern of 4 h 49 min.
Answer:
12 h 02 min
